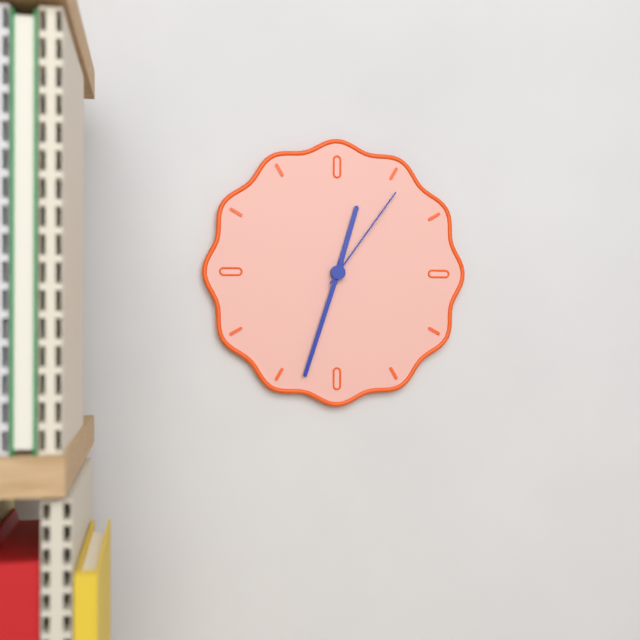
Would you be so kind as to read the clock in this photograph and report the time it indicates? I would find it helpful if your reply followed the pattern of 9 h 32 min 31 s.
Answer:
12 h 33 min 06 s
